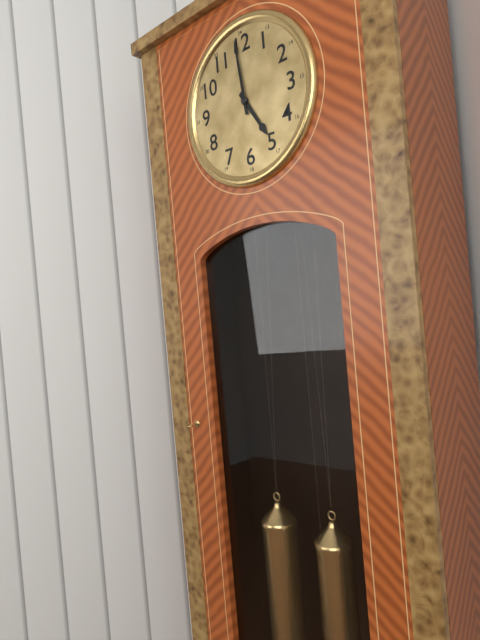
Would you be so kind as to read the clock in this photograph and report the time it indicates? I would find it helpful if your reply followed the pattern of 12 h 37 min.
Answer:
4 h 59 min
